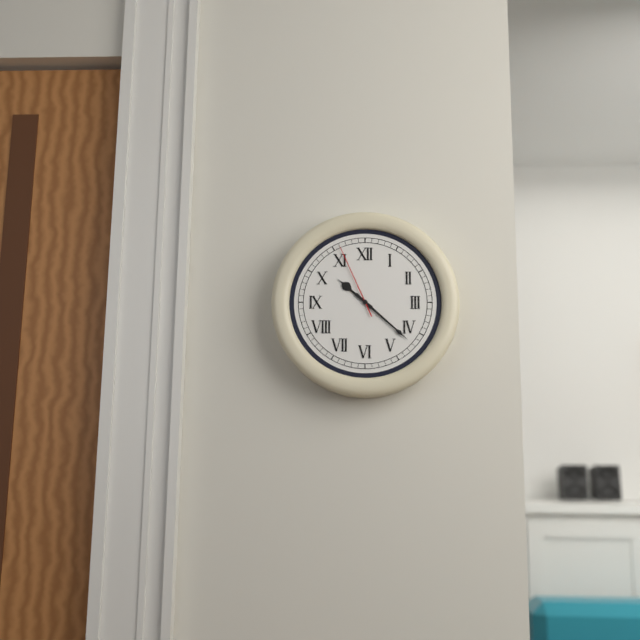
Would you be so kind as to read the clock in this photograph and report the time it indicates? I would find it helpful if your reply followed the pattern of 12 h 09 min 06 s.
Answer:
10 h 22 min 56 s
